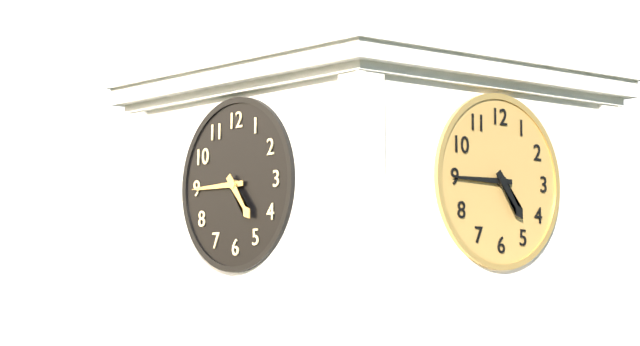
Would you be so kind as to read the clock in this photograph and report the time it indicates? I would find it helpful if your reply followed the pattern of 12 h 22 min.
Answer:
4 h 45 min
